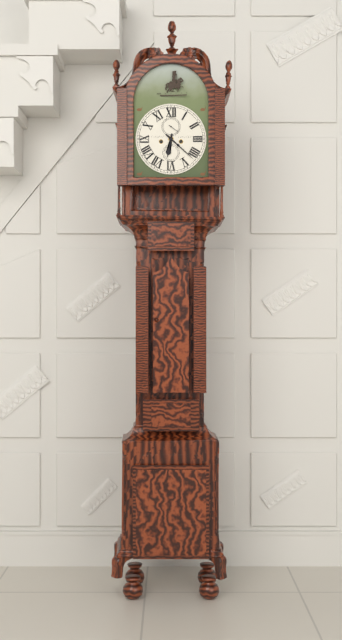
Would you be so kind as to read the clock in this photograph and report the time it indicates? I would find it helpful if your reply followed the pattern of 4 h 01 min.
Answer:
6 h 22 min
